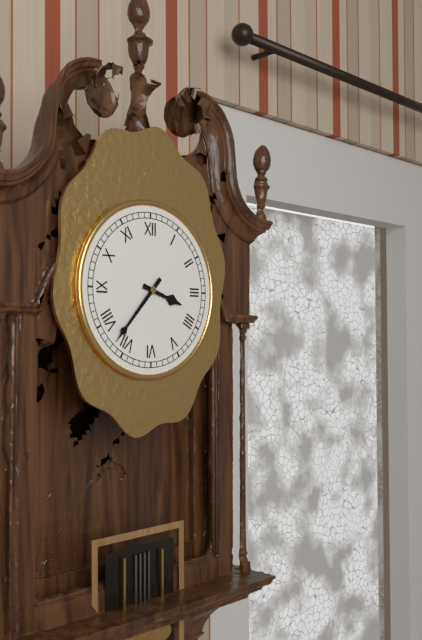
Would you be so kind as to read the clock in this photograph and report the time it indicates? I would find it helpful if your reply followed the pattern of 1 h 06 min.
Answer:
3 h 37 min
